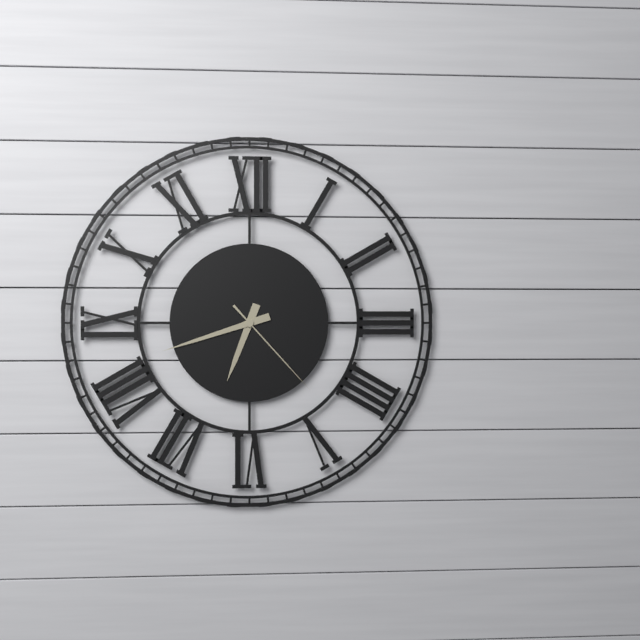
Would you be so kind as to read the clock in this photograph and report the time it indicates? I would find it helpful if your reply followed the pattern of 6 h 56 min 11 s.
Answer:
6 h 42 min 23 s
